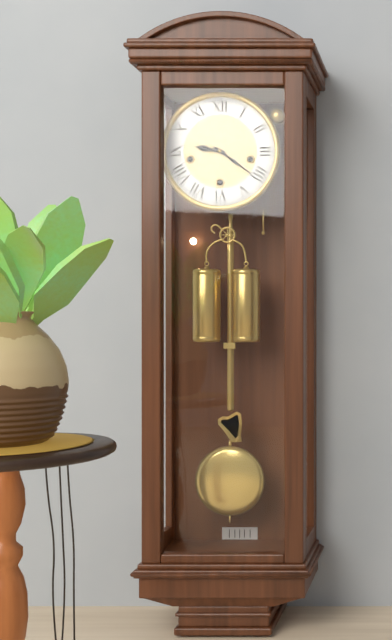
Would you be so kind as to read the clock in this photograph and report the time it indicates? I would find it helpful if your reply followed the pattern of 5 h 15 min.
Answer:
9 h 21 min
